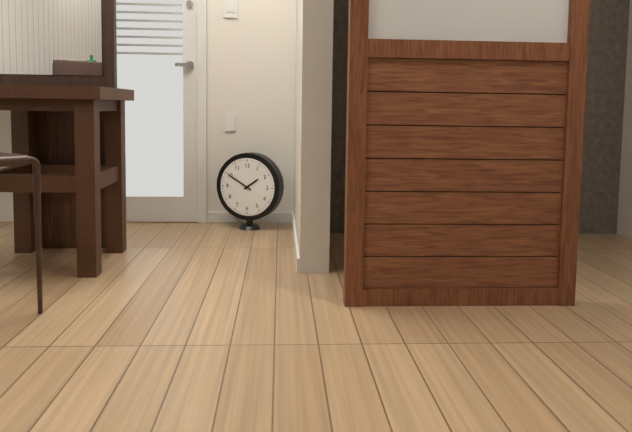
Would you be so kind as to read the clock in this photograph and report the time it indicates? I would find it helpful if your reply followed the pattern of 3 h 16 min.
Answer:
1 h 50 min
